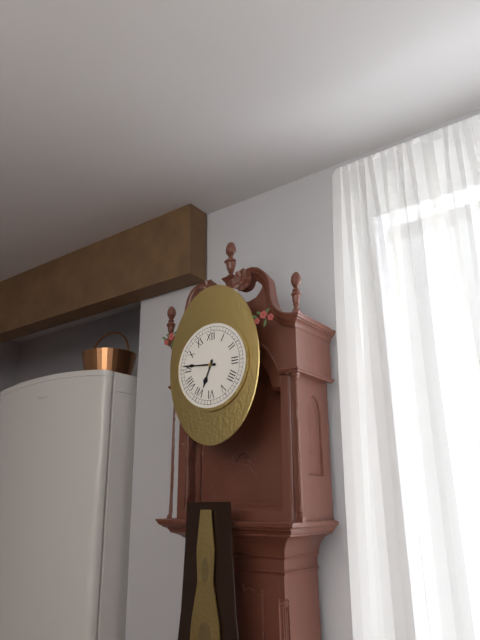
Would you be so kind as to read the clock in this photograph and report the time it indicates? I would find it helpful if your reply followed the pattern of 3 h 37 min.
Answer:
6 h 46 min
